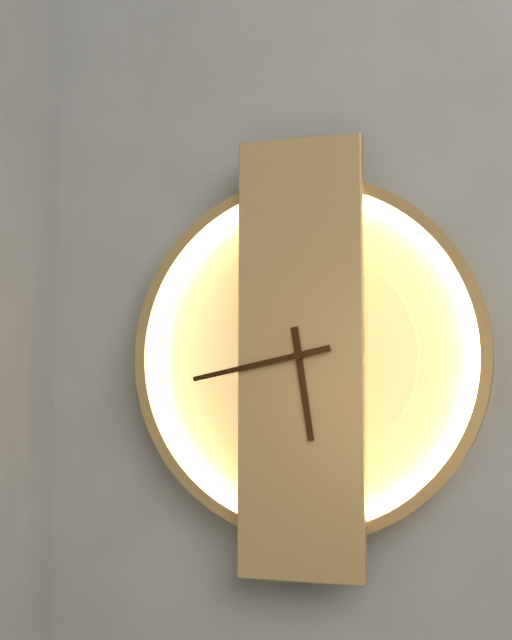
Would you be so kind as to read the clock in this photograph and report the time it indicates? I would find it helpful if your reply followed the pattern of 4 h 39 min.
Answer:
5 h 43 min
